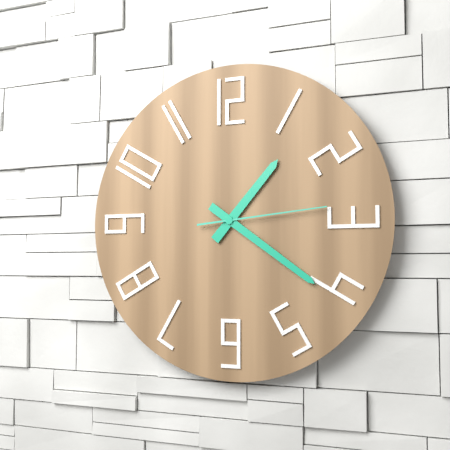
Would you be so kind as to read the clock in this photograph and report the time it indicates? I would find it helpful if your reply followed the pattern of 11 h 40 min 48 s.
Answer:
1 h 21 min 14 s
